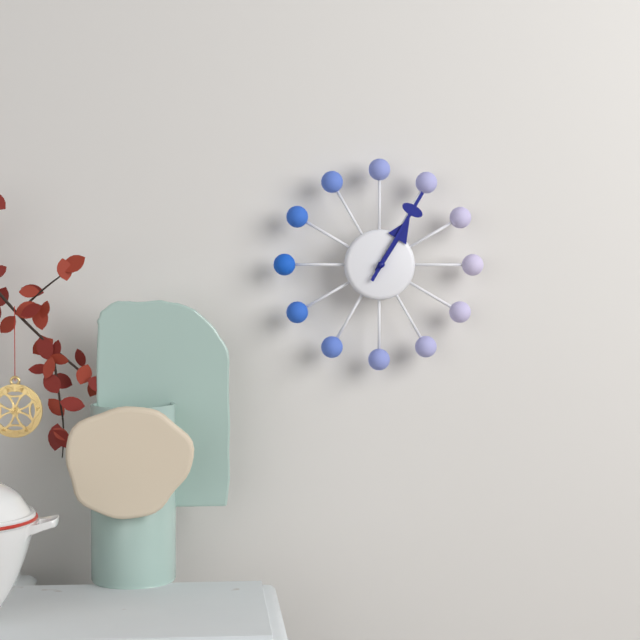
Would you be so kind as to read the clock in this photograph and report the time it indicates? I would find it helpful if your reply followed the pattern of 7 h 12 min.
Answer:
1 h 05 min
